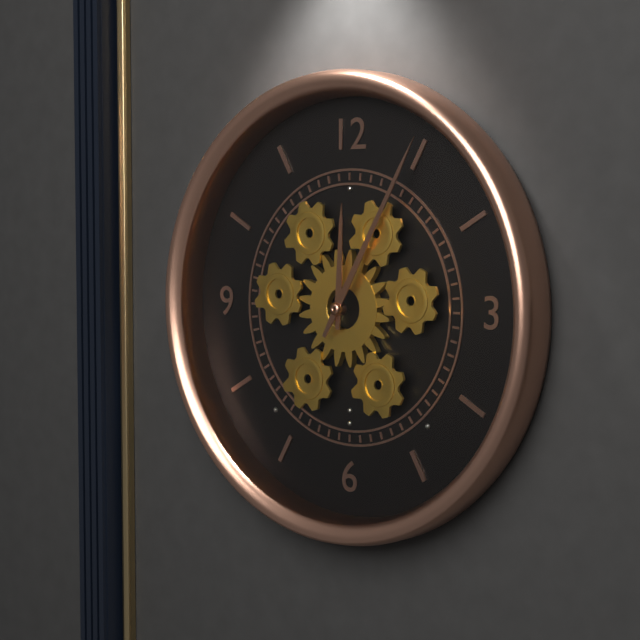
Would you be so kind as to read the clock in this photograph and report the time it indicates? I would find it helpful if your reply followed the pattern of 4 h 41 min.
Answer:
12 h 05 min
